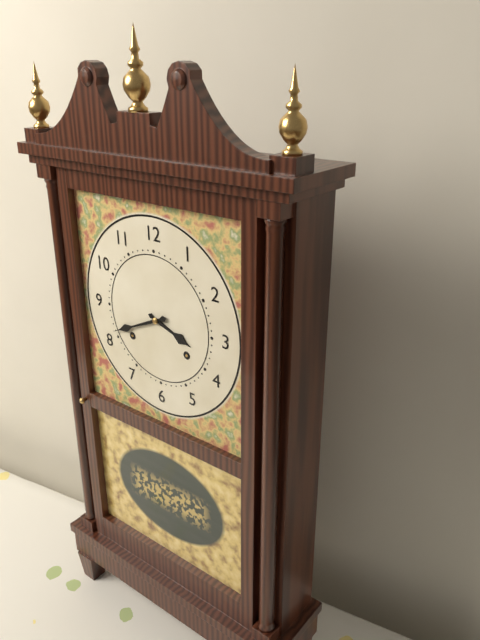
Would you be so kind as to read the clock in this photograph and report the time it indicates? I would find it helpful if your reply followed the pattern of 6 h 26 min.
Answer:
3 h 41 min
